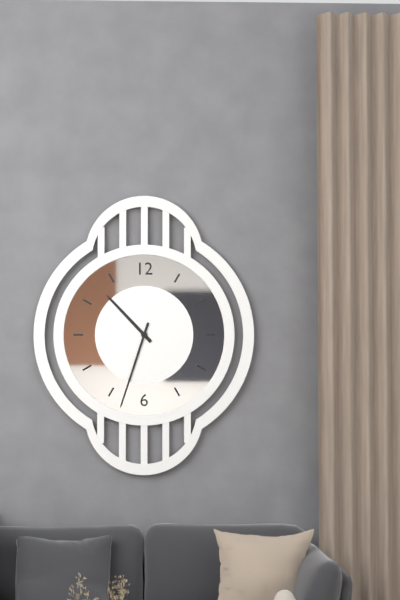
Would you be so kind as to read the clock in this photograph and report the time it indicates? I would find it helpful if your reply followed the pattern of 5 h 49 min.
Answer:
10 h 33 min
